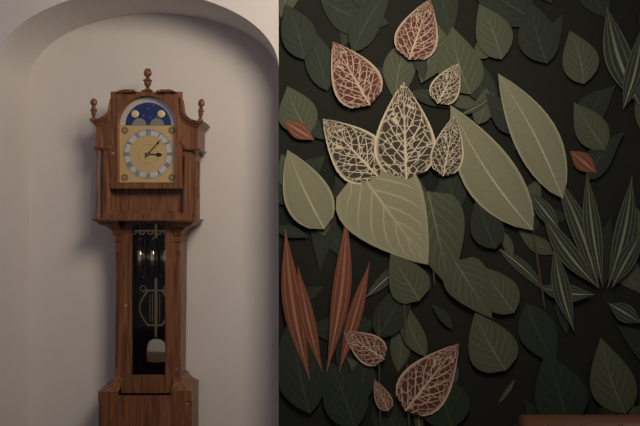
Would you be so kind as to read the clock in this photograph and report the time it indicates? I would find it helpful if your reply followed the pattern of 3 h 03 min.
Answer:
3 h 07 min
